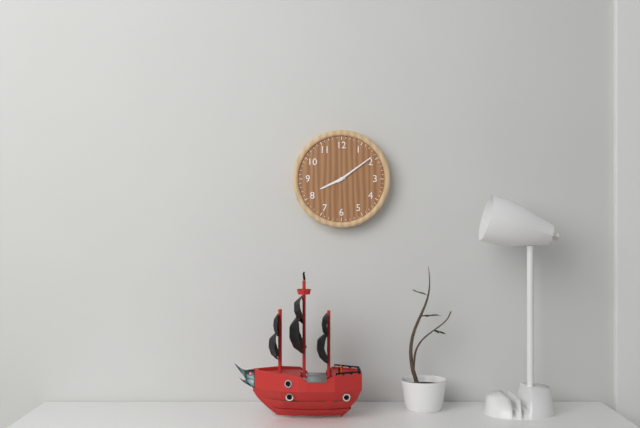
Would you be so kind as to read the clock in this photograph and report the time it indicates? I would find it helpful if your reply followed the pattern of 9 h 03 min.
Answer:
8 h 09 min
